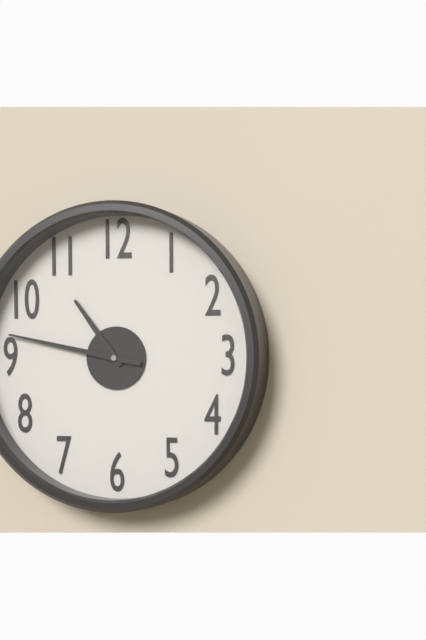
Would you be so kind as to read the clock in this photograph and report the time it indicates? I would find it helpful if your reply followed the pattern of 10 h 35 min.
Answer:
10 h 47 min
